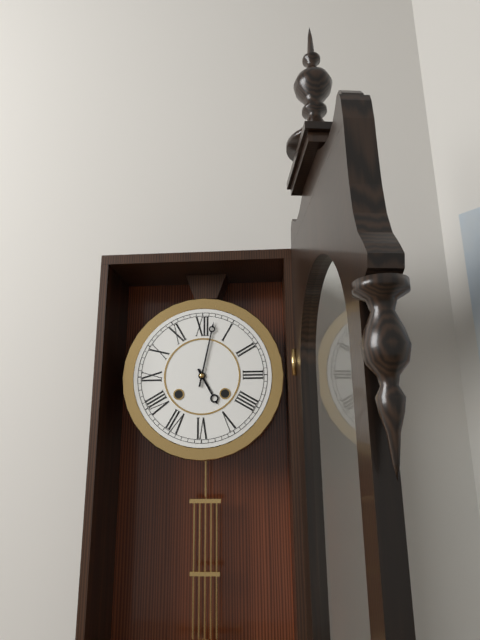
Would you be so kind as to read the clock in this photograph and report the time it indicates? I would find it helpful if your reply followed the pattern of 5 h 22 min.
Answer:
5 h 02 min
